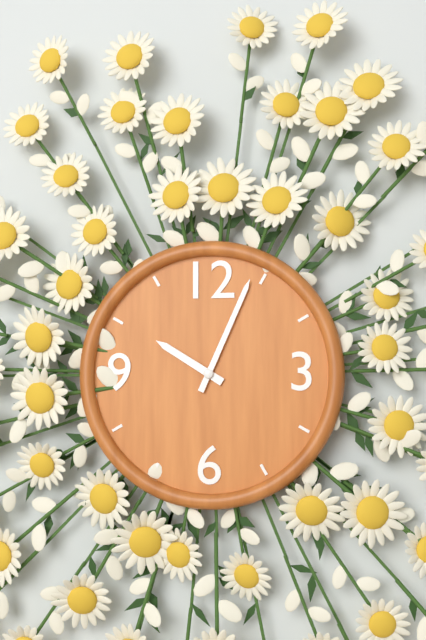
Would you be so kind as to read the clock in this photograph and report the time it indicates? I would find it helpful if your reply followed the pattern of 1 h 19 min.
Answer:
10 h 04 min
